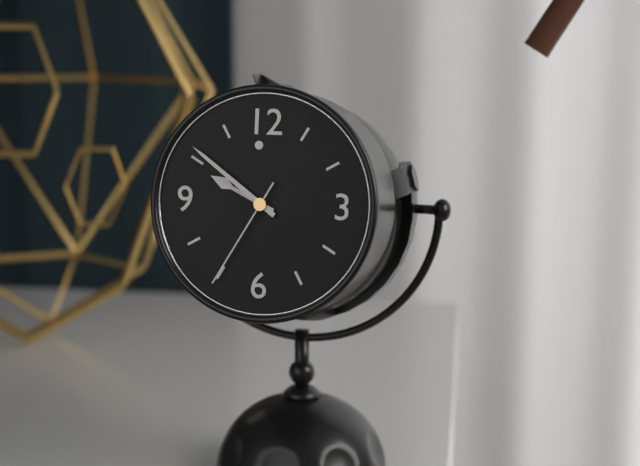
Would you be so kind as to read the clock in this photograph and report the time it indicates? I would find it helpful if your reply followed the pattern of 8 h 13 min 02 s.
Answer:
9 h 51 min 35 s
